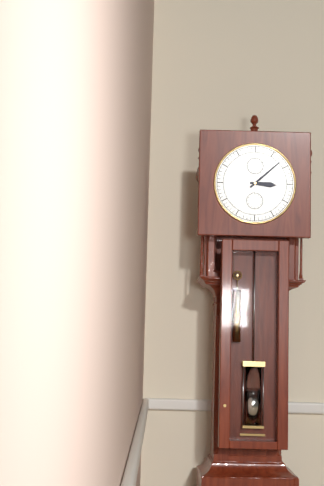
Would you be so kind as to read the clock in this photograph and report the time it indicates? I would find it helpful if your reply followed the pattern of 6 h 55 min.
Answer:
3 h 08 min
